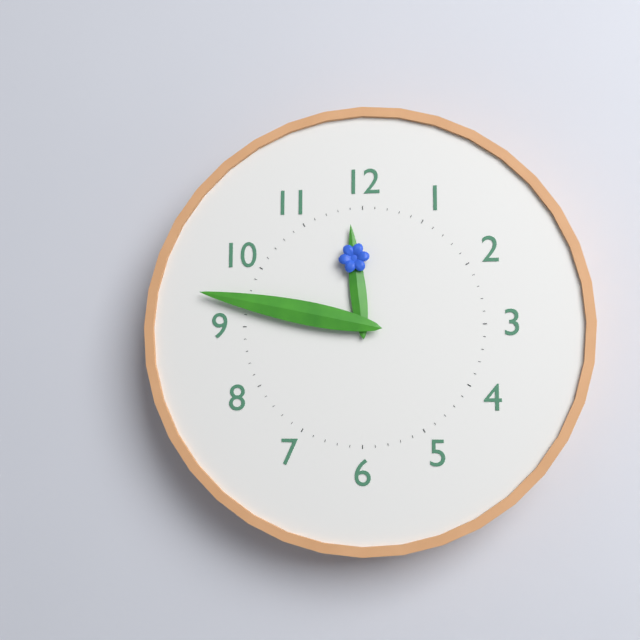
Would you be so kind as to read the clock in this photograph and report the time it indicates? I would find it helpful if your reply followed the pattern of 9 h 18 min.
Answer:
11 h 47 min
